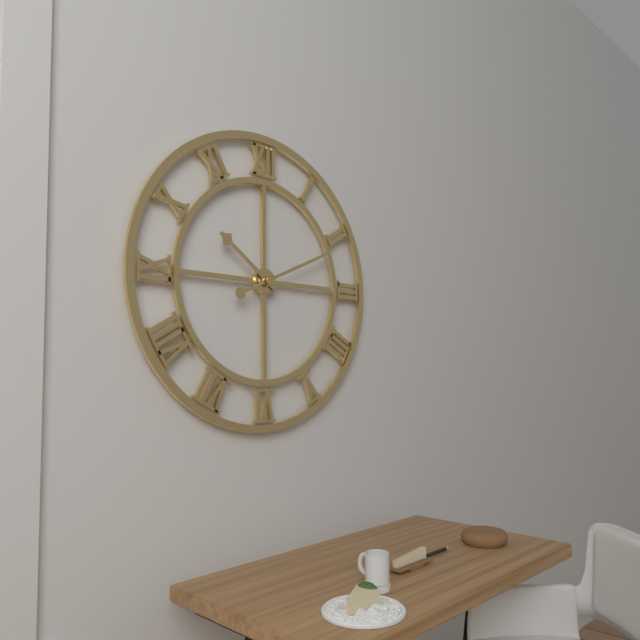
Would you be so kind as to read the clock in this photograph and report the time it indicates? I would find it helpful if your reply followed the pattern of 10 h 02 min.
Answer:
10 h 11 min
